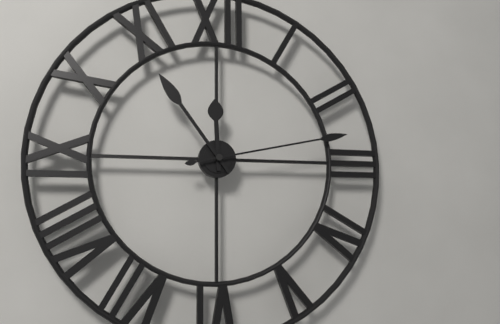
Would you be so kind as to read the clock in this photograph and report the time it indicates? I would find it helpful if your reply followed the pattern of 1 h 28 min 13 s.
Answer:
11 h 54 min 13 s
